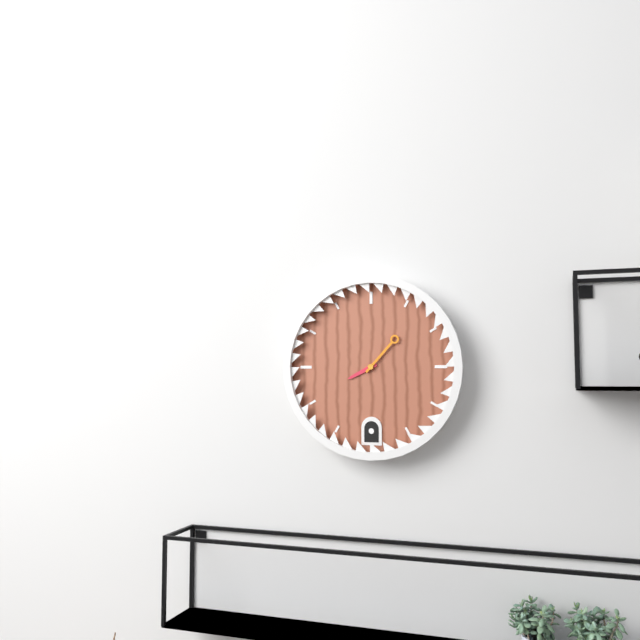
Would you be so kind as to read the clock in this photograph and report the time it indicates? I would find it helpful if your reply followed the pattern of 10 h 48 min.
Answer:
8 h 07 min
